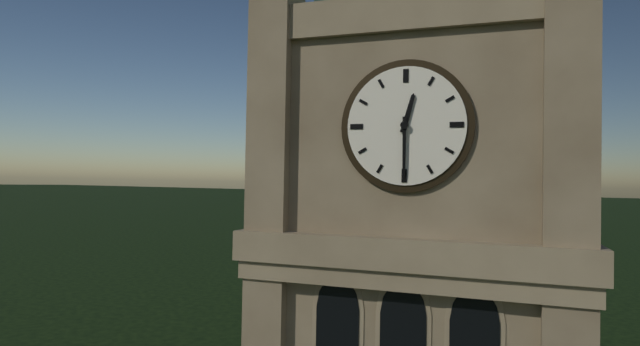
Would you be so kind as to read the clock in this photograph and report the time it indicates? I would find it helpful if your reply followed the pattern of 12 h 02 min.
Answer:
12 h 30 min
